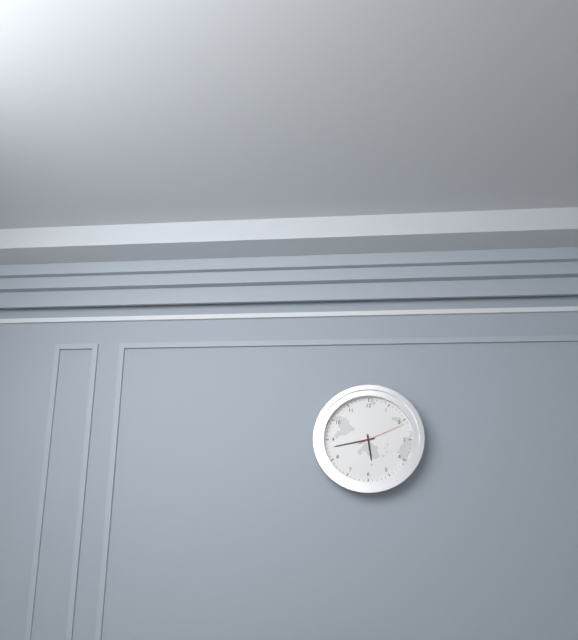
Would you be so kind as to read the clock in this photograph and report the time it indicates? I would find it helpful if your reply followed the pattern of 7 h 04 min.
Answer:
5 h 43 min
